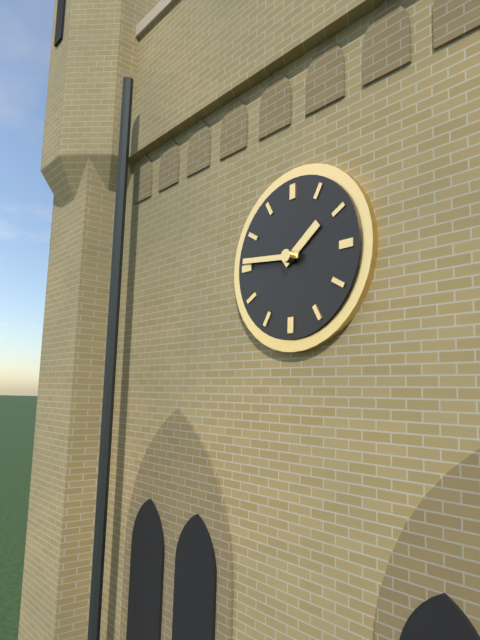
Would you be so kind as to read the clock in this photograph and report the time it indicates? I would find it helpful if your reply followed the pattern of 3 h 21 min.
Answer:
1 h 46 min
